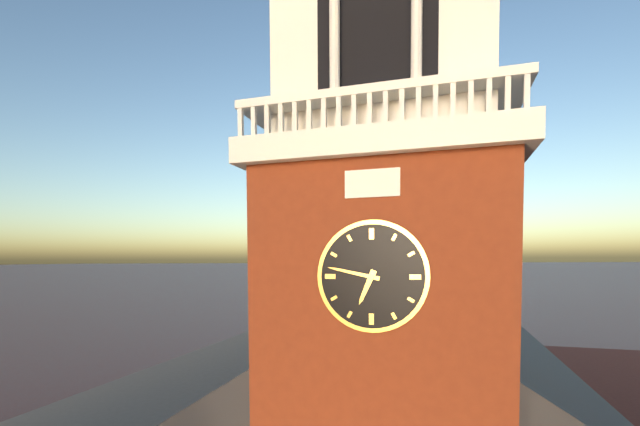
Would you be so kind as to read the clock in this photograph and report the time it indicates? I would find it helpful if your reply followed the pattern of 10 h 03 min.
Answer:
6 h 47 min
